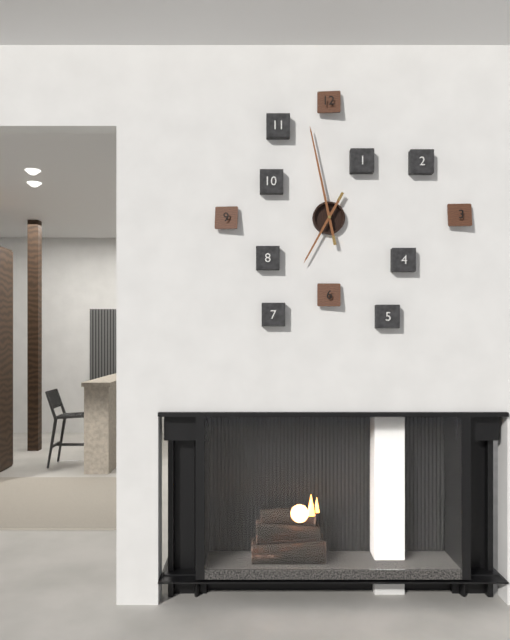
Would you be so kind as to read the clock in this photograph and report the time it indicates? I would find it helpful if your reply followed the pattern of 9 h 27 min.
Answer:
6 h 58 min
